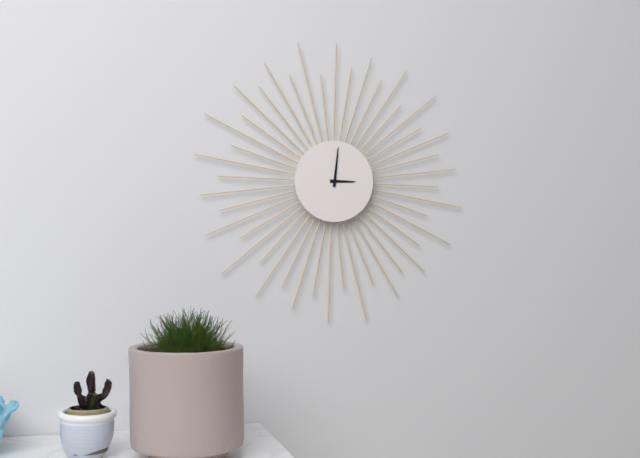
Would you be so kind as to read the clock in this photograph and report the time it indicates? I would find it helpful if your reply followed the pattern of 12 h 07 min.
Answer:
3 h 01 min
